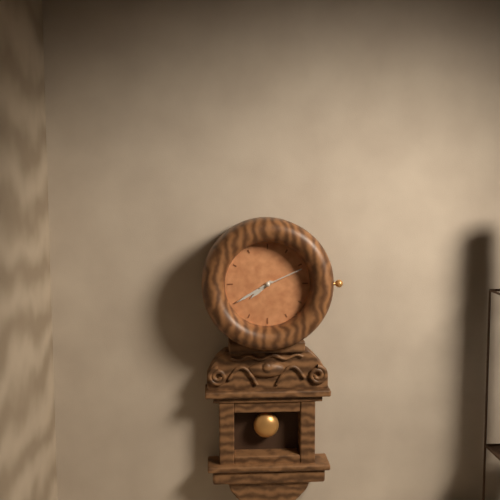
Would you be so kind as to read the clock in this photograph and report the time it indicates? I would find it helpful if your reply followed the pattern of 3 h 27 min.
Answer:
7 h 40 min
